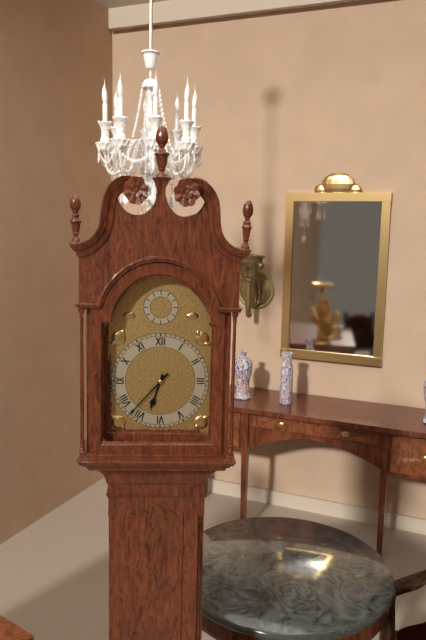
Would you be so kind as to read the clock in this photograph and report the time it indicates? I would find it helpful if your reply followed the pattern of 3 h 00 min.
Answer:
6 h 37 min
